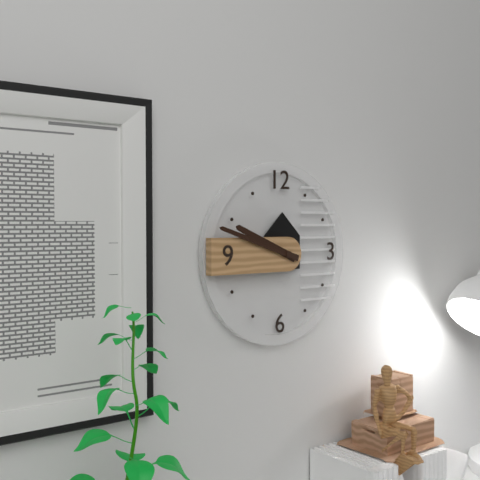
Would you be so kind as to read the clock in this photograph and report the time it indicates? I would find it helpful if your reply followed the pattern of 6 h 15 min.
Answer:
9 h 48 min
